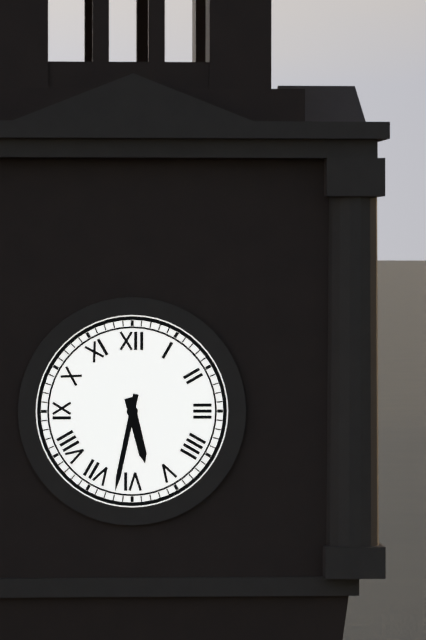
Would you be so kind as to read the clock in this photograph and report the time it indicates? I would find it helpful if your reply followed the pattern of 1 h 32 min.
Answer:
5 h 32 min
